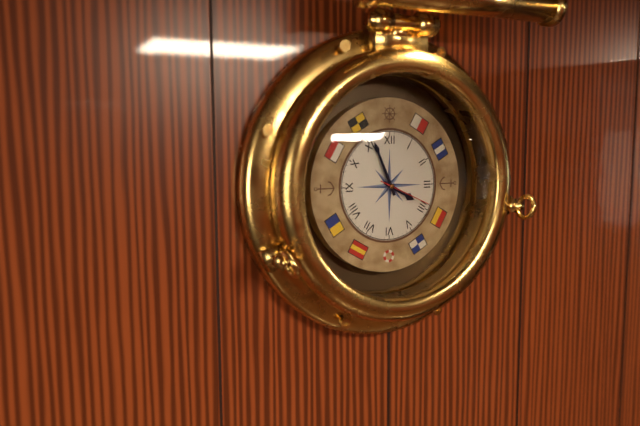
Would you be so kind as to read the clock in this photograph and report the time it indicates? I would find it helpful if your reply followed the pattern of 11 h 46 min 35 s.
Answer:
3 h 56 min 19 s
